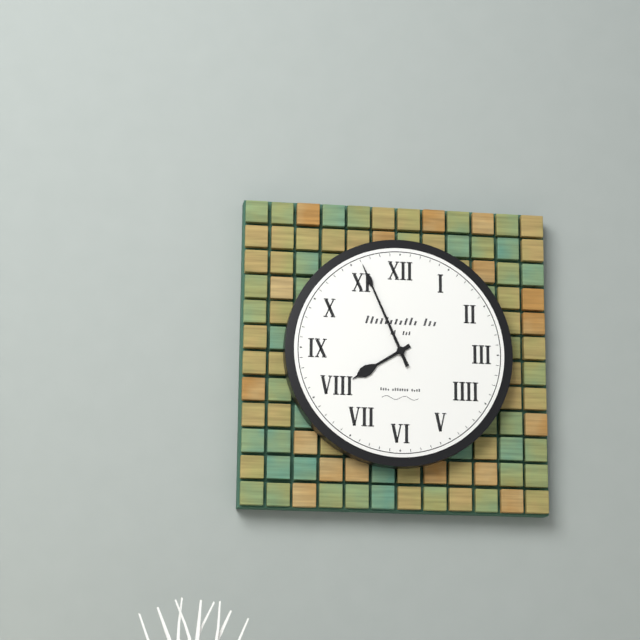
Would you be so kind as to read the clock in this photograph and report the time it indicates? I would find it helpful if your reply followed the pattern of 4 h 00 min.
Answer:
7 h 56 min
